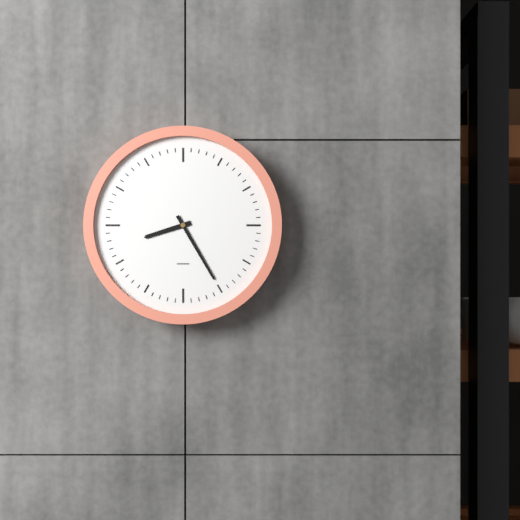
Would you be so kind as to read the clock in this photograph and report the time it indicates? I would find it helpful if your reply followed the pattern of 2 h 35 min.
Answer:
8 h 25 min
